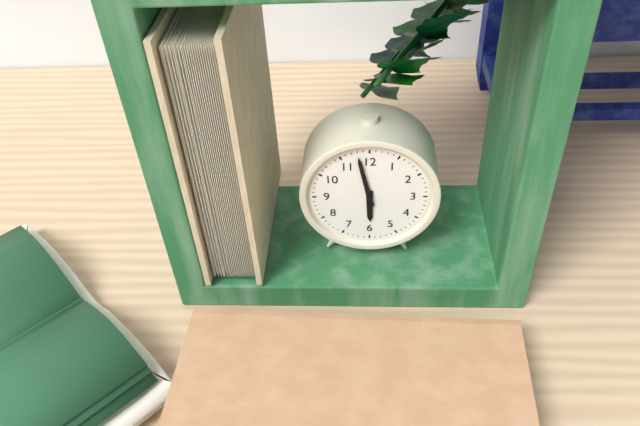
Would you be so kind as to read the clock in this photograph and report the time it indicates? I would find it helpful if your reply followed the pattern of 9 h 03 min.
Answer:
5 h 58 min
